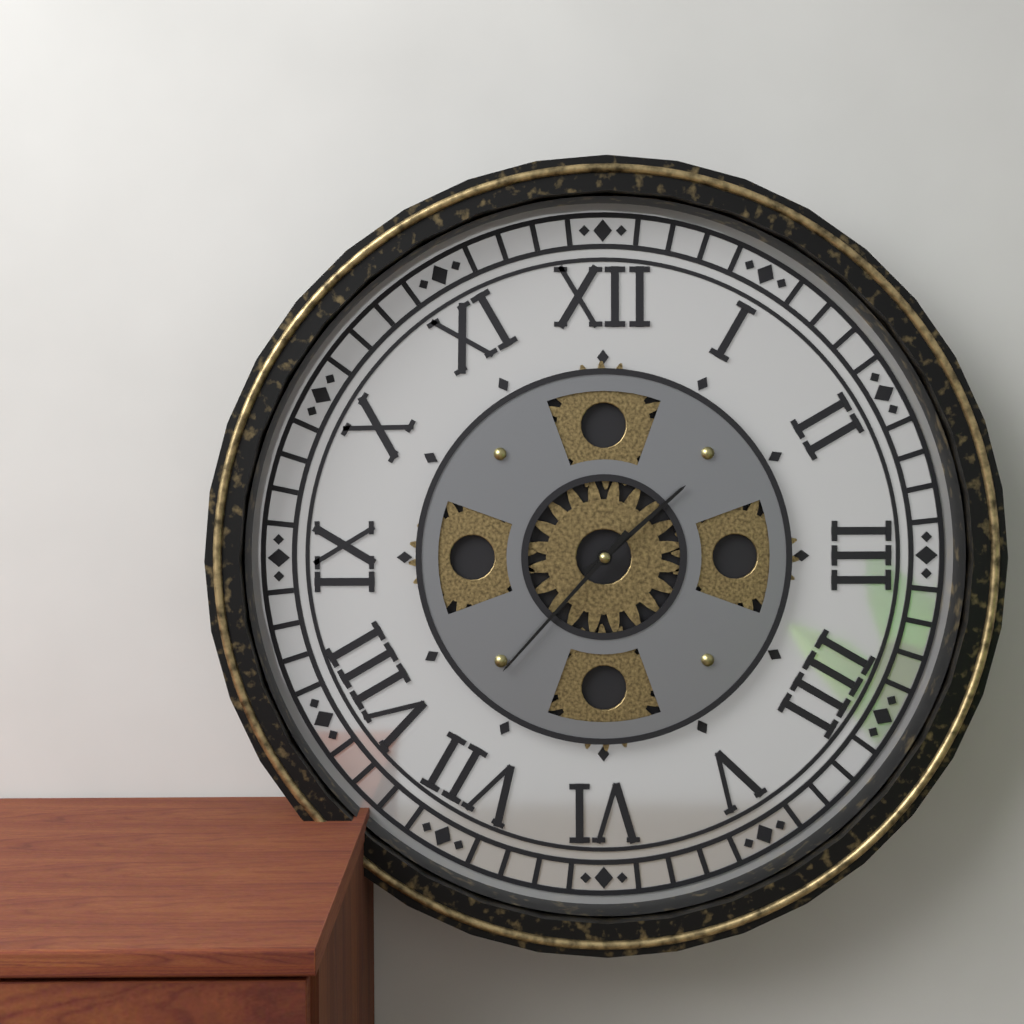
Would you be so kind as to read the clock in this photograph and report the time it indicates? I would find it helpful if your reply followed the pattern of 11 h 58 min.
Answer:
1 h 37 min
